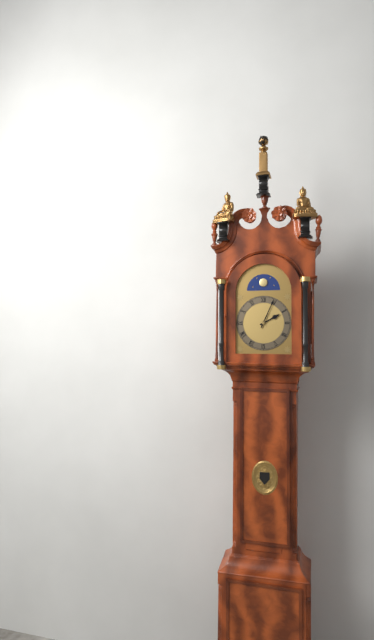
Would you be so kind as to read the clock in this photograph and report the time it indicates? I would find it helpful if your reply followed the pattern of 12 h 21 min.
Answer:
2 h 04 min
